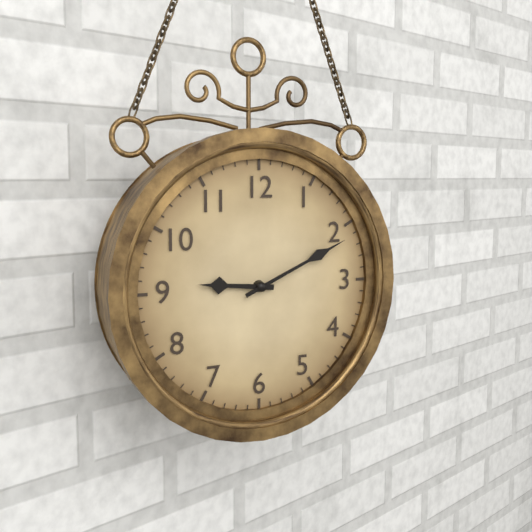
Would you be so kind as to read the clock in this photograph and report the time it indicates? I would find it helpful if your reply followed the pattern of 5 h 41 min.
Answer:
9 h 11 min
